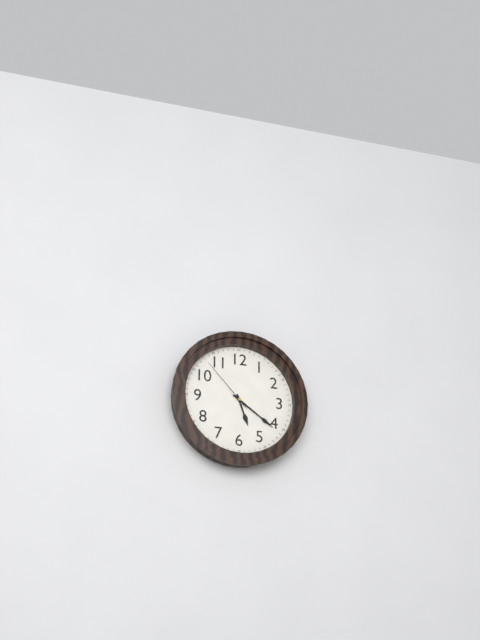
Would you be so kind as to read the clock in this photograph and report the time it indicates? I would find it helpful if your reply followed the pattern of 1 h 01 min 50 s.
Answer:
5 h 21 min 53 s
